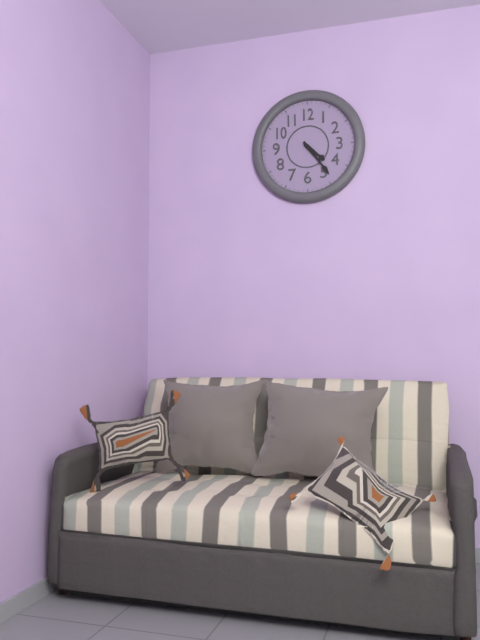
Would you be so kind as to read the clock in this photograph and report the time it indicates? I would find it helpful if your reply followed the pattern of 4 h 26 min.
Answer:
4 h 24 min
